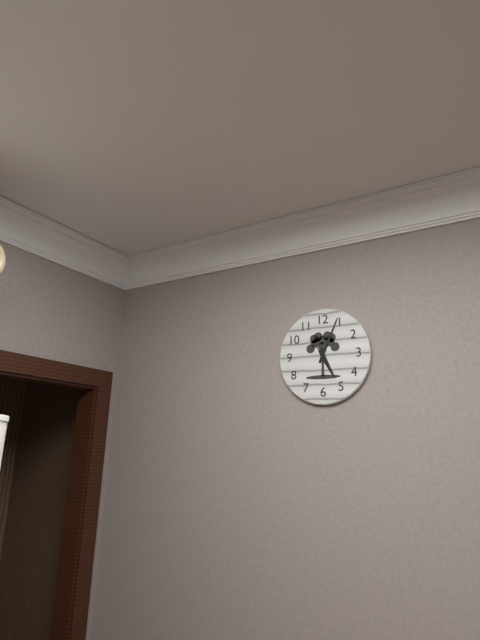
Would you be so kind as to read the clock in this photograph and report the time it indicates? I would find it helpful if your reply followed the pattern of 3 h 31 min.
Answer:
5 h 04 min
